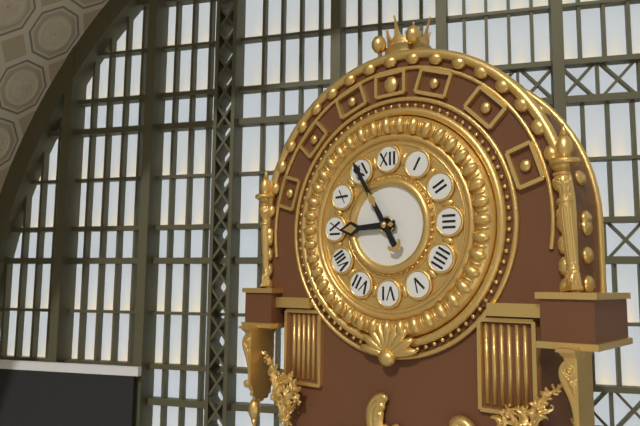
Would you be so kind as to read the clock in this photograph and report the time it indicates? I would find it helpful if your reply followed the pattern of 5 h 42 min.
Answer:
8 h 55 min
